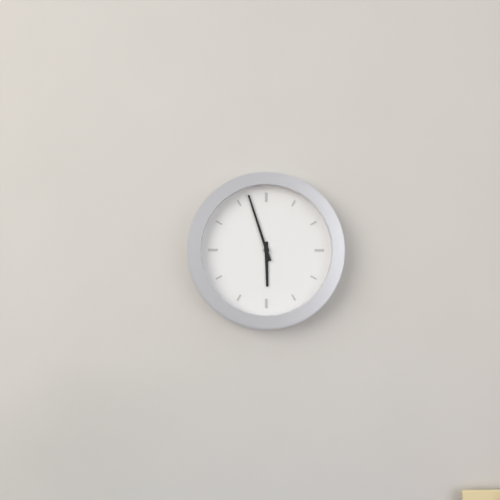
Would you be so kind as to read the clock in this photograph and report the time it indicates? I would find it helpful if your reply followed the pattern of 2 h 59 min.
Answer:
5 h 57 min
